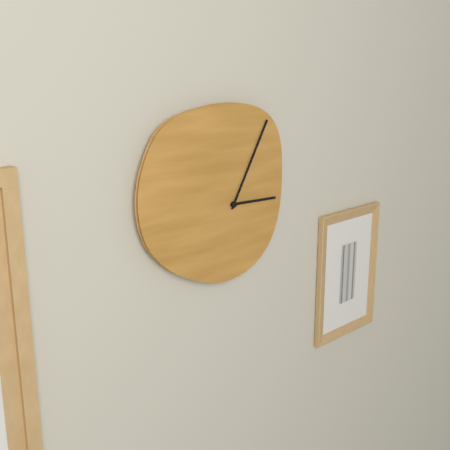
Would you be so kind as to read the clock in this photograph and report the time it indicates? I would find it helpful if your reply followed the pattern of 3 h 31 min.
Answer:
3 h 05 min
